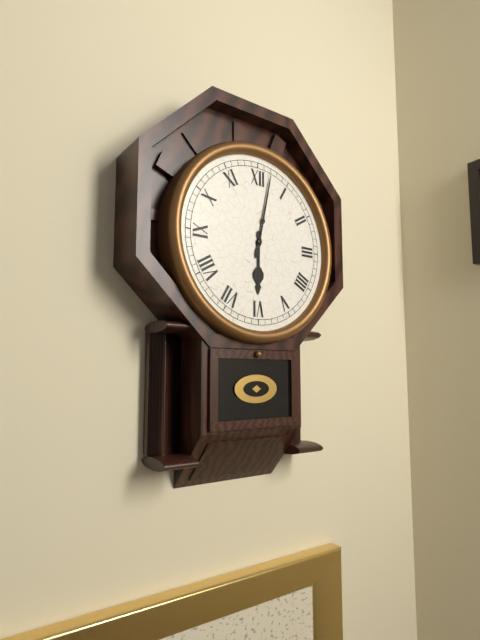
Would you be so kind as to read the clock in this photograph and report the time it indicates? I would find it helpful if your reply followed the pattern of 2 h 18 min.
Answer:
6 h 02 min
